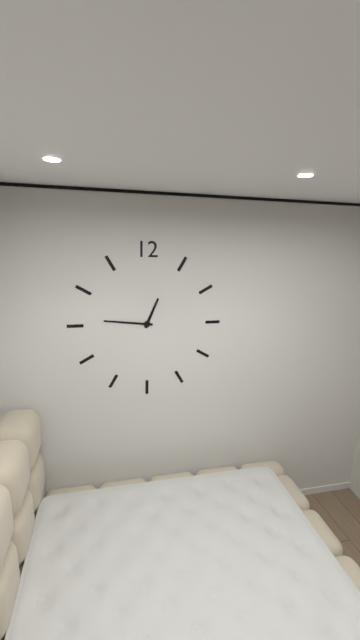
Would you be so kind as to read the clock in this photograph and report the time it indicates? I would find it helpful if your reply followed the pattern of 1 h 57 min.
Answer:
12 h 46 min
